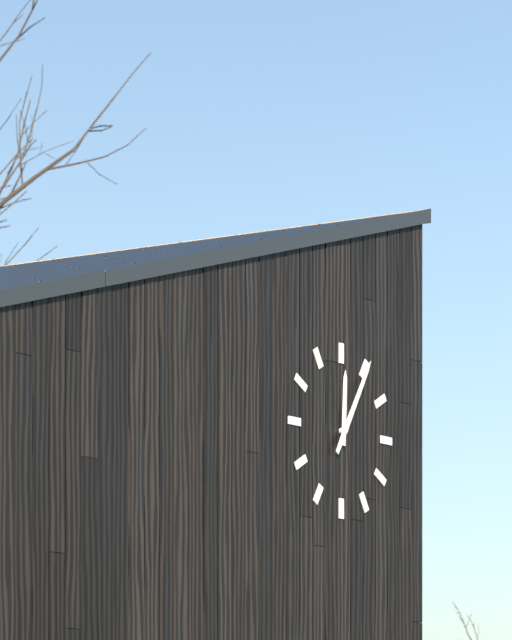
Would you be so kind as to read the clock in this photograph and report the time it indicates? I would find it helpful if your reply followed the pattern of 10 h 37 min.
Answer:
12 h 05 min
